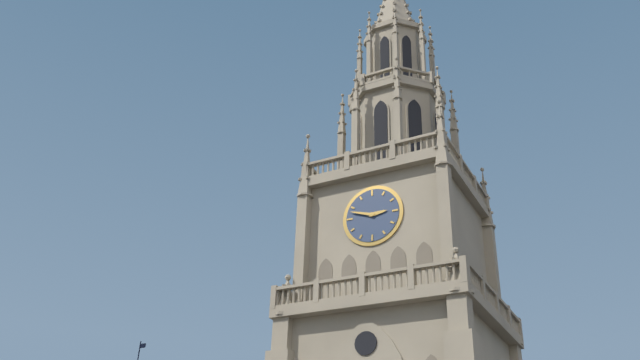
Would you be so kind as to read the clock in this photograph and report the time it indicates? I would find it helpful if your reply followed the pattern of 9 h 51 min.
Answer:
2 h 48 min
